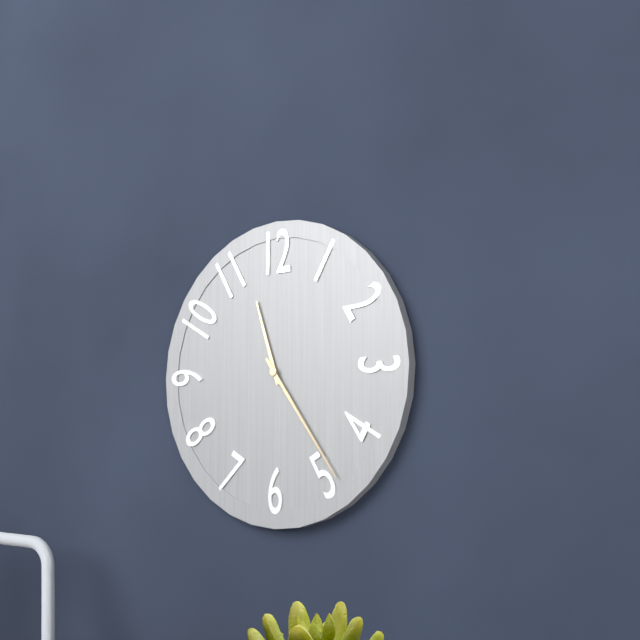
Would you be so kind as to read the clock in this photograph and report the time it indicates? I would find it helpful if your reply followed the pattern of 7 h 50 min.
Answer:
11 h 24 min
